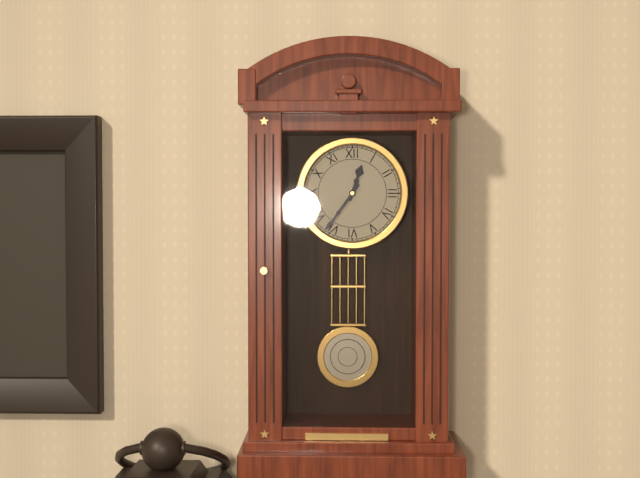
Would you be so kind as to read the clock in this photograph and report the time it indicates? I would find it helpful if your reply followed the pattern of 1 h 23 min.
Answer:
12 h 36 min
